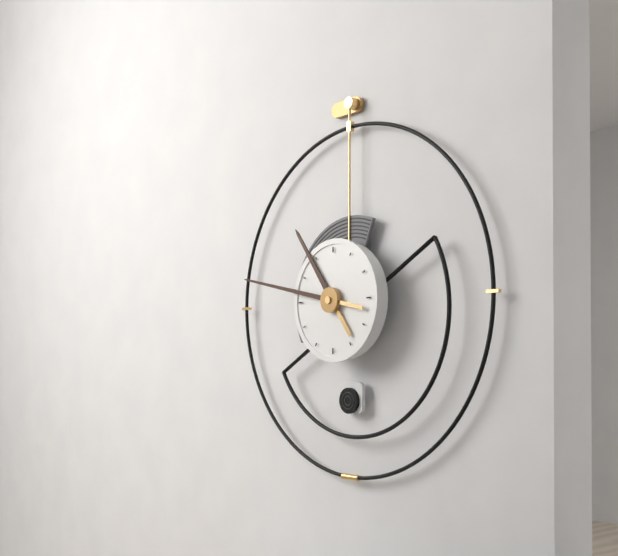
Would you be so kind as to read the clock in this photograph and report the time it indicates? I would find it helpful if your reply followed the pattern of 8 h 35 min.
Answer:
10 h 47 min
